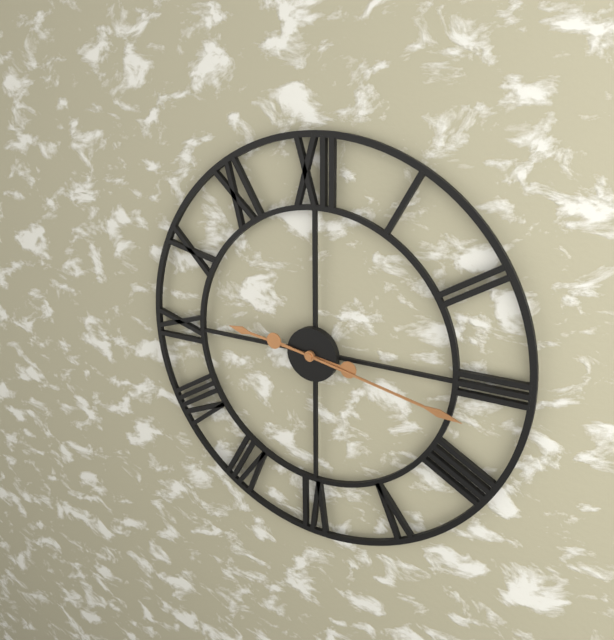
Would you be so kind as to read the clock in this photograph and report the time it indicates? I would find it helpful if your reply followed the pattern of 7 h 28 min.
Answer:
9 h 17 min
